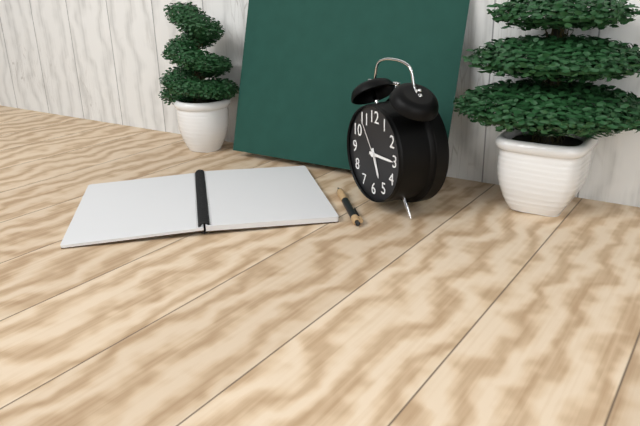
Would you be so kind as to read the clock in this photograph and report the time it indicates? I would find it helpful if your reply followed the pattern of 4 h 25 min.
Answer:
5 h 15 min
